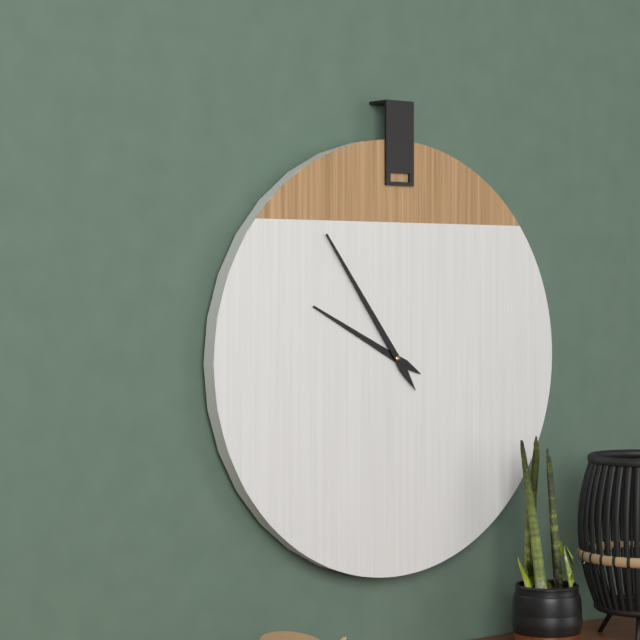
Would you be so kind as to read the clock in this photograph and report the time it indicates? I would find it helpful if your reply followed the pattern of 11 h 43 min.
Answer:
9 h 54 min
